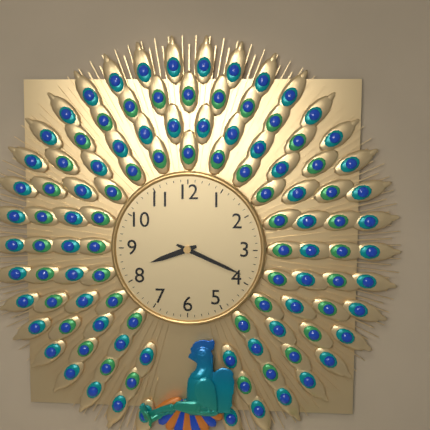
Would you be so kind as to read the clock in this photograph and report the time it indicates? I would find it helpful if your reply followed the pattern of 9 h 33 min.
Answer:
8 h 19 min
